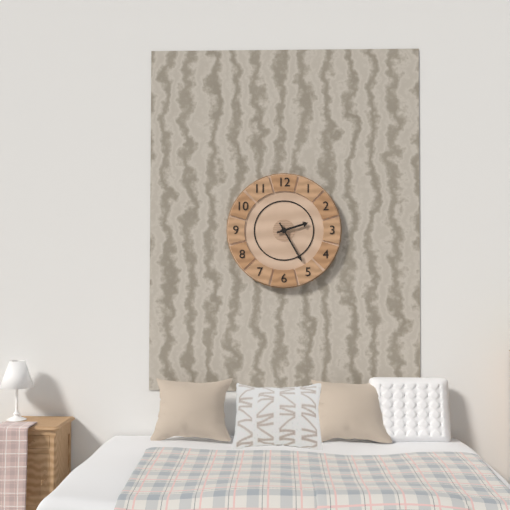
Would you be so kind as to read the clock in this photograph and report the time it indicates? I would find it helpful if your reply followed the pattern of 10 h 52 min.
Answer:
2 h 25 min
